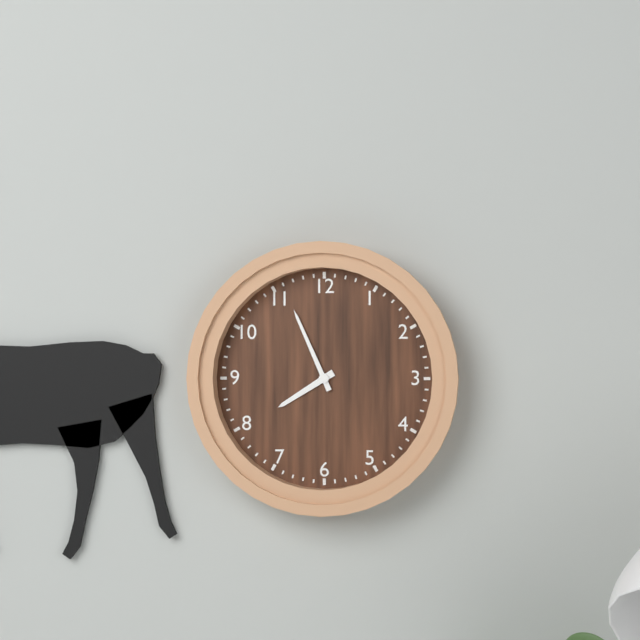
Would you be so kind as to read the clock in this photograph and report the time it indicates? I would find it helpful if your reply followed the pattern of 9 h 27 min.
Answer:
7 h 56 min
